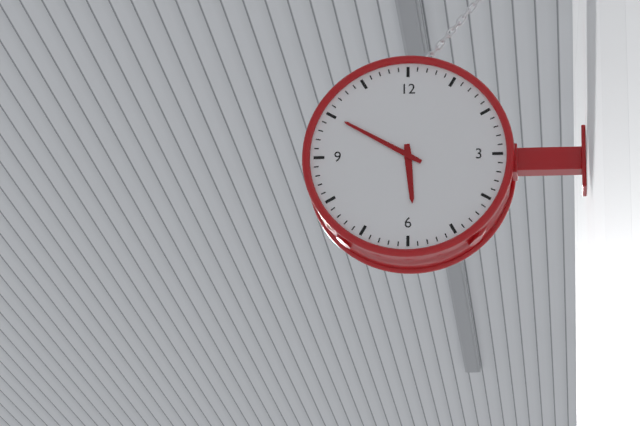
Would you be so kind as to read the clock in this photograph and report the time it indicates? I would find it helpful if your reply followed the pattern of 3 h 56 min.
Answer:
5 h 50 min
